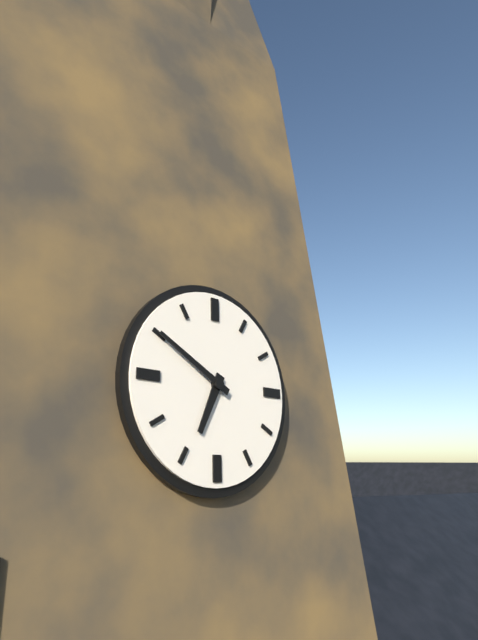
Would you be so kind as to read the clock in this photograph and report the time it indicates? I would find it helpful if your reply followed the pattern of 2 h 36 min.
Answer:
6 h 50 min
